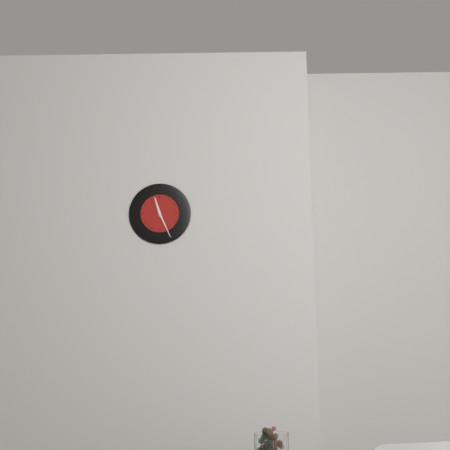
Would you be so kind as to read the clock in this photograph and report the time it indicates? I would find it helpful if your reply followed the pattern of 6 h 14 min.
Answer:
11 h 26 min
